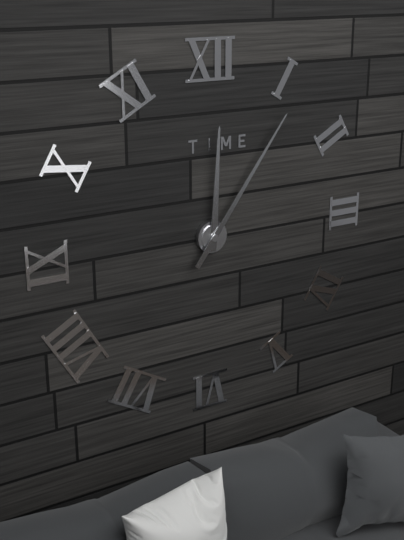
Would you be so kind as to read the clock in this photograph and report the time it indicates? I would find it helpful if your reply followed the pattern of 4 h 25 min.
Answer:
12 h 06 min
